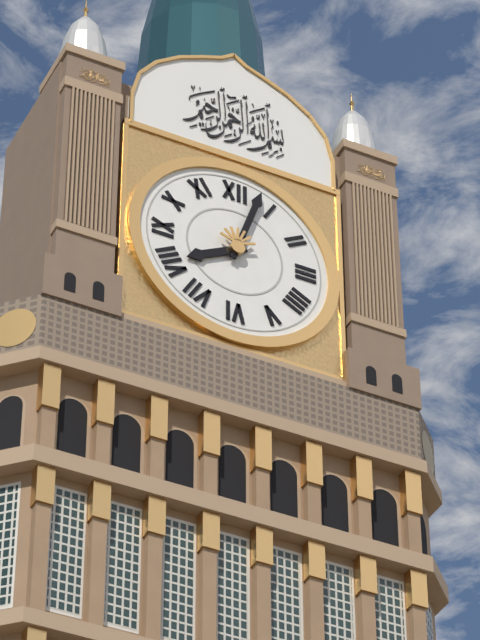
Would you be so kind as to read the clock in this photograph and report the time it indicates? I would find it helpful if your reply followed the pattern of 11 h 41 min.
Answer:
8 h 03 min
